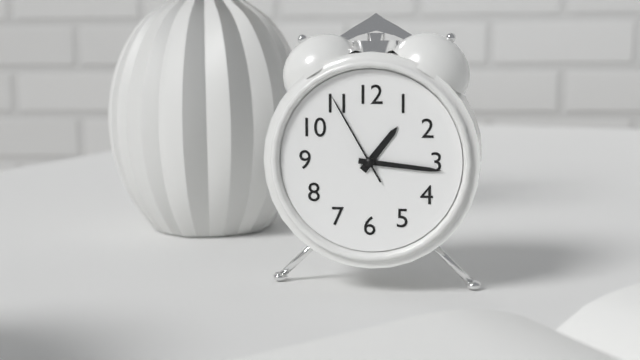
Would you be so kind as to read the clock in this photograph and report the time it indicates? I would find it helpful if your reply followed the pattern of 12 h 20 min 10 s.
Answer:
1 h 16 min 55 s
